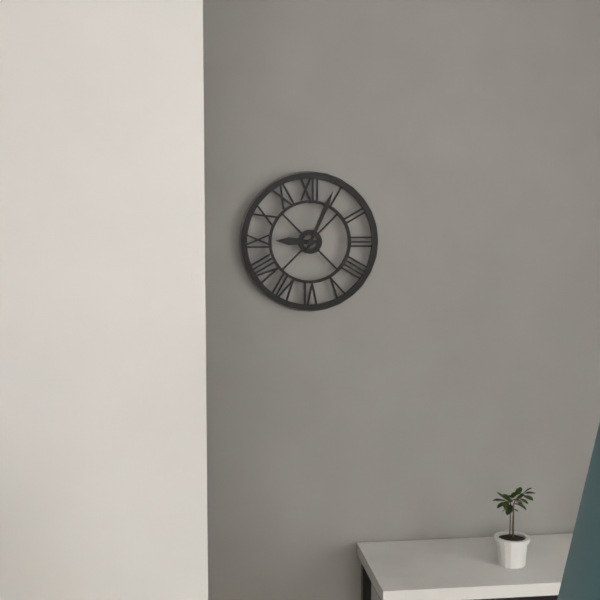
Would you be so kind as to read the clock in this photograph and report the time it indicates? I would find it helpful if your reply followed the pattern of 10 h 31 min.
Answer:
9 h 04 min
